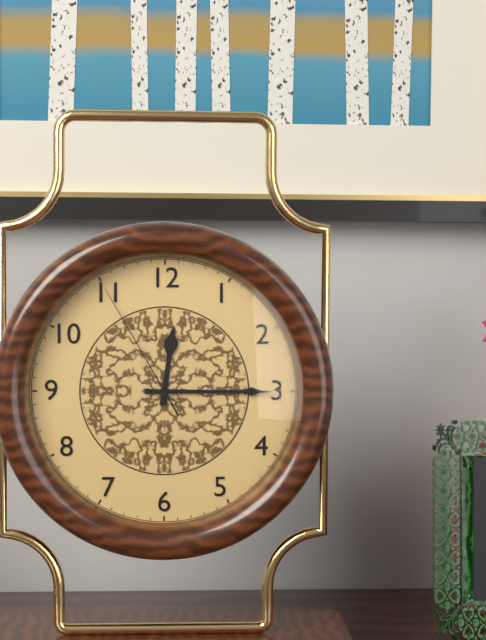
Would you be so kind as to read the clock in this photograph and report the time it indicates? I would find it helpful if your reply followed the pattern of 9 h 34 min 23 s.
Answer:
12 h 15 min 55 s
